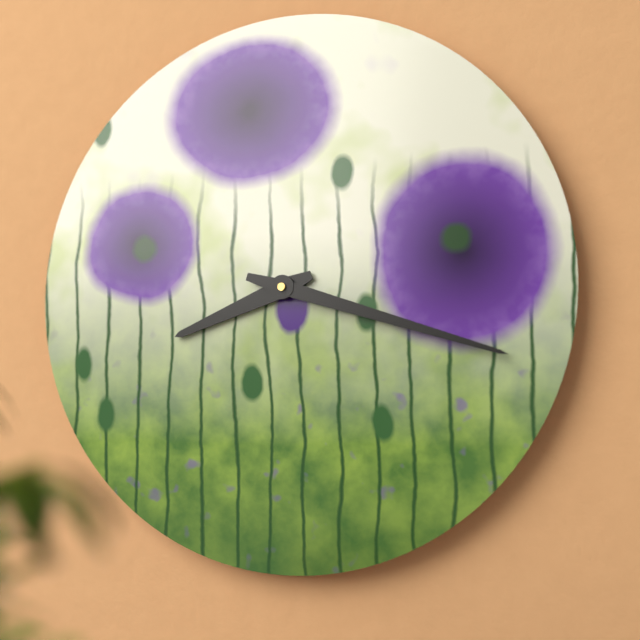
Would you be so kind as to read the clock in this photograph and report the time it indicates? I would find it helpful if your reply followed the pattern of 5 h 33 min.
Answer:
8 h 18 min
